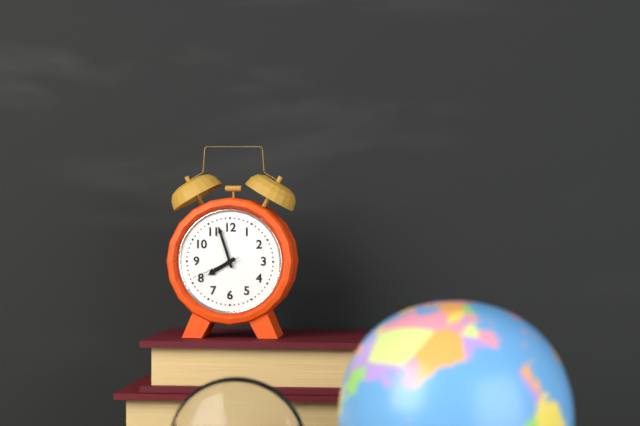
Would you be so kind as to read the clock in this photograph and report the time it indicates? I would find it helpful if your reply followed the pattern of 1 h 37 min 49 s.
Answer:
7 h 57 min 41 s
